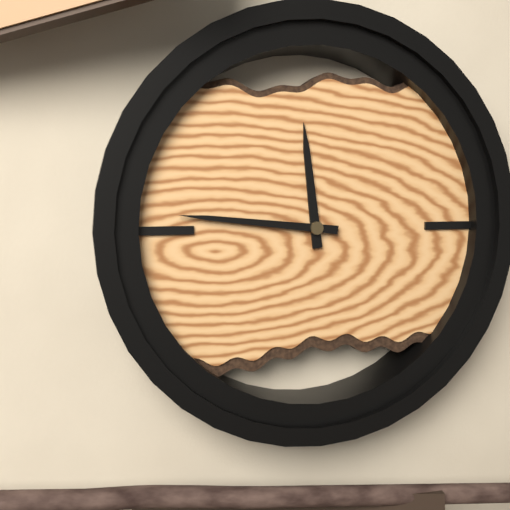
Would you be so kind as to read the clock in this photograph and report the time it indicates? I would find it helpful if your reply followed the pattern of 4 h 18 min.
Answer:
11 h 46 min
